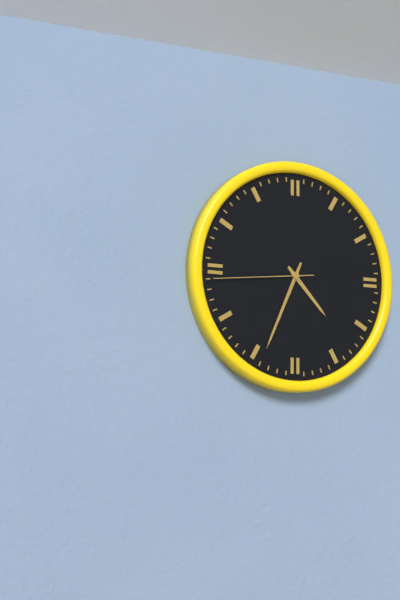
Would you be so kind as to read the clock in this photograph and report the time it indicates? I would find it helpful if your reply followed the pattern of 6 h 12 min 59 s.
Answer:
4 h 34 min 44 s
